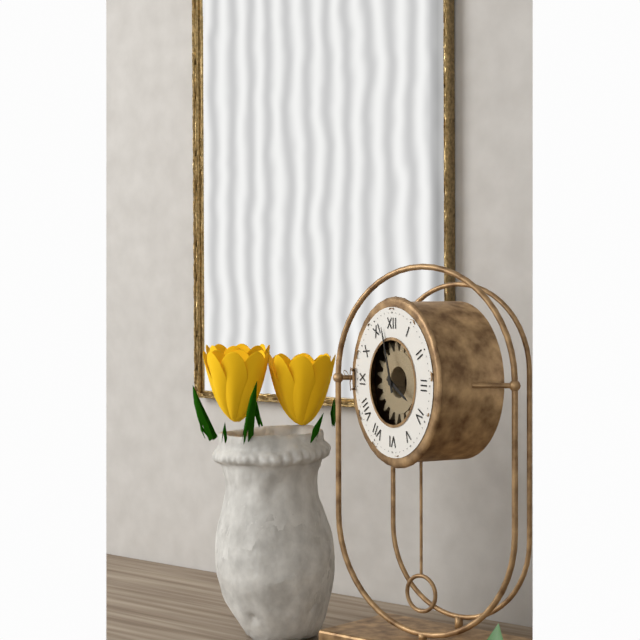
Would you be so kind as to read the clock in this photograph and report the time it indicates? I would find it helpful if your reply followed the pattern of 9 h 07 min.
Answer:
3 h 57 min
